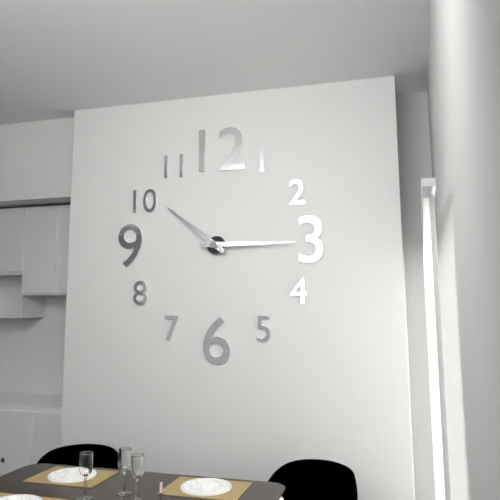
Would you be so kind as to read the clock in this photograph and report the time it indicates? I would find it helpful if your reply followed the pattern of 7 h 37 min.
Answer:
10 h 15 min
